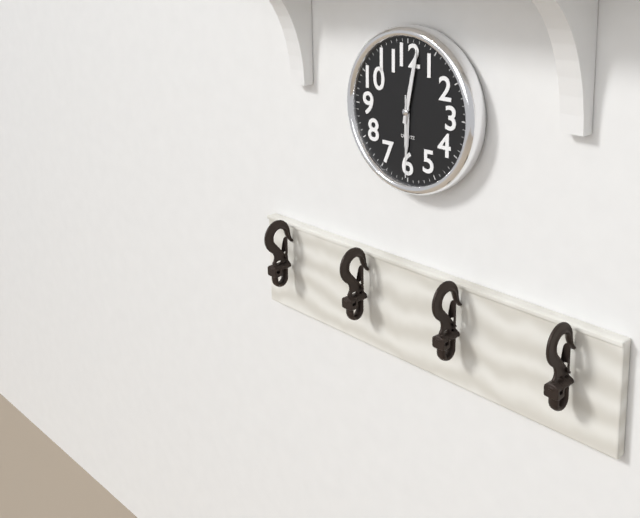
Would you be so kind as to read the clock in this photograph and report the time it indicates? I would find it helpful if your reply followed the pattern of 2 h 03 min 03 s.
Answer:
6 h 02 min 30 s
